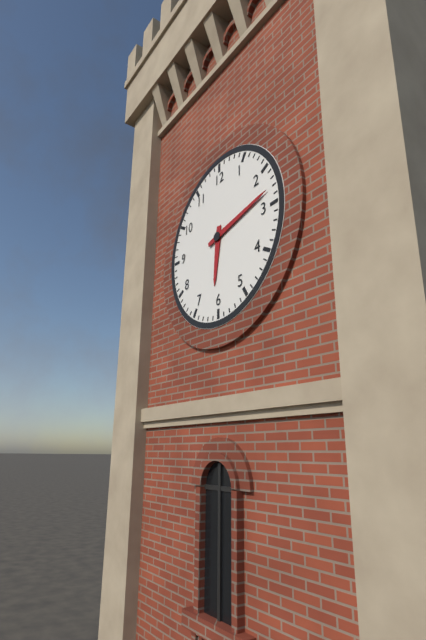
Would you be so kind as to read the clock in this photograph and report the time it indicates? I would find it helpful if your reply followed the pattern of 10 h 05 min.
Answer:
6 h 13 min
